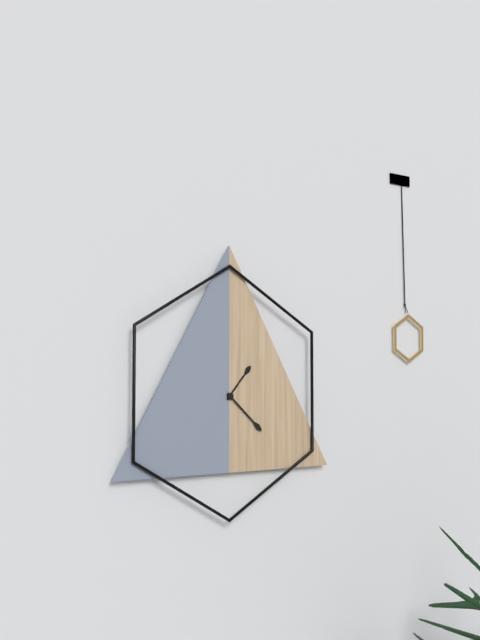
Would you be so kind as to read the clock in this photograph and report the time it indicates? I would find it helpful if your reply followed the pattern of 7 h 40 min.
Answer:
1 h 22 min
